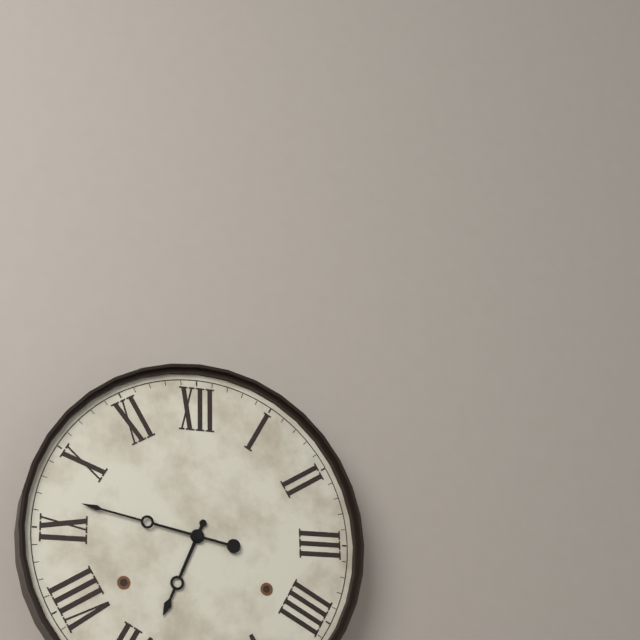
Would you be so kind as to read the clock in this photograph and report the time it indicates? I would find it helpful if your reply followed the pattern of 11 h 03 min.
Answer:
6 h 47 min
